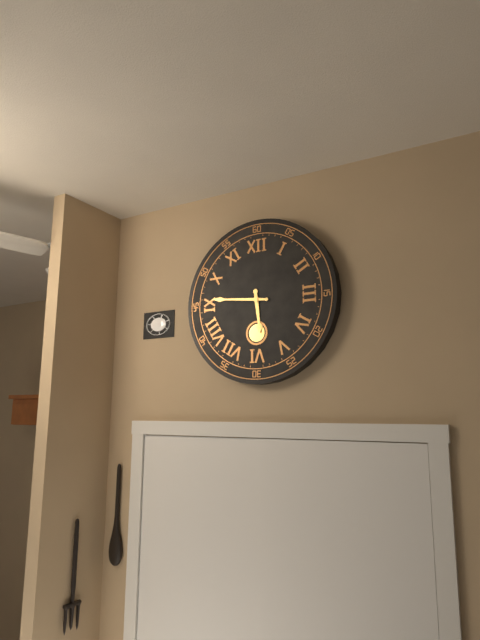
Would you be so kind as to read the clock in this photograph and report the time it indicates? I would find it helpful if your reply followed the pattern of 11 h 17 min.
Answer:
5 h 46 min
